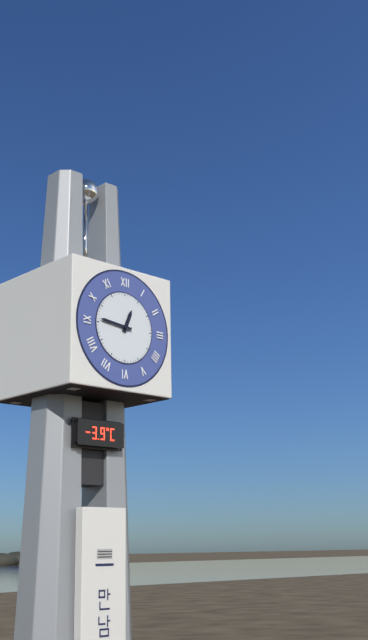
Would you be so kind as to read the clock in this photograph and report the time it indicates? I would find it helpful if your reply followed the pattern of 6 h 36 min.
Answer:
12 h 46 min
